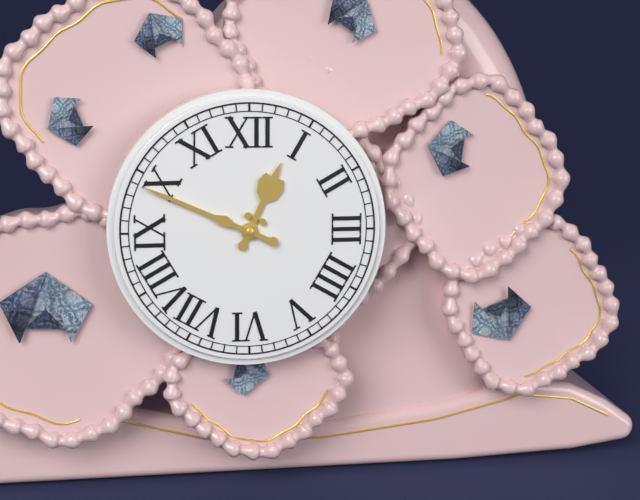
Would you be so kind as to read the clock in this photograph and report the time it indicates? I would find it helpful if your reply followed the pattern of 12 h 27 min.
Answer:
12 h 49 min
